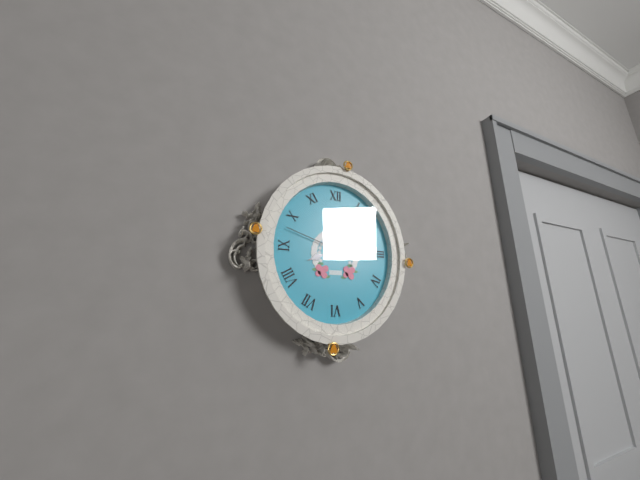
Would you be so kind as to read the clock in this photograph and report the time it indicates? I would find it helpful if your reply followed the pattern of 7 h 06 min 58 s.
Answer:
8 h 14 min 48 s
